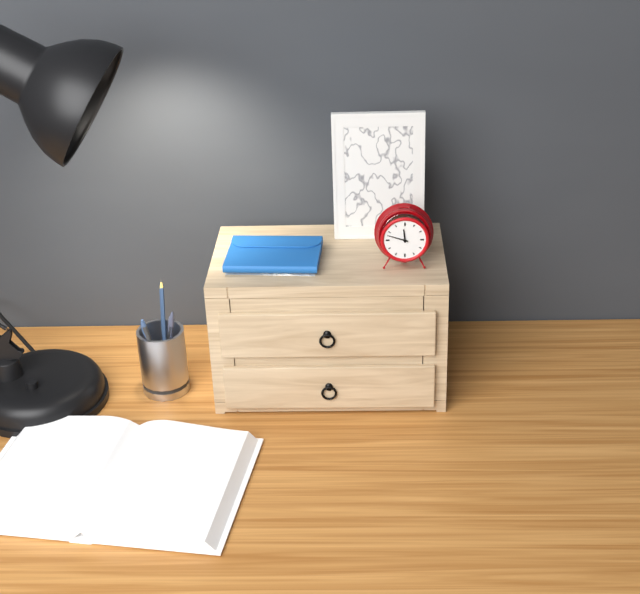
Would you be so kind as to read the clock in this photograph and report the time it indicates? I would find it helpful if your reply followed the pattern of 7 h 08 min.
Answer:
11 h 48 min
